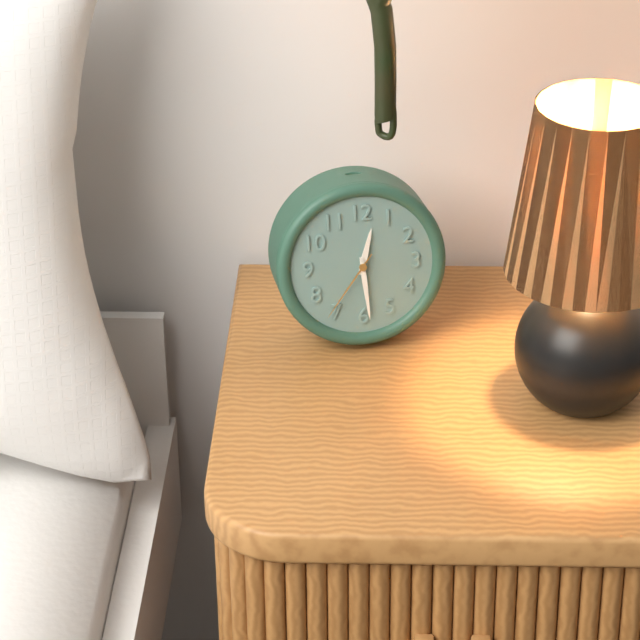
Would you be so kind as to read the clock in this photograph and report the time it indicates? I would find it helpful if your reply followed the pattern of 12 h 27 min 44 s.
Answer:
12 h 29 min 36 s
